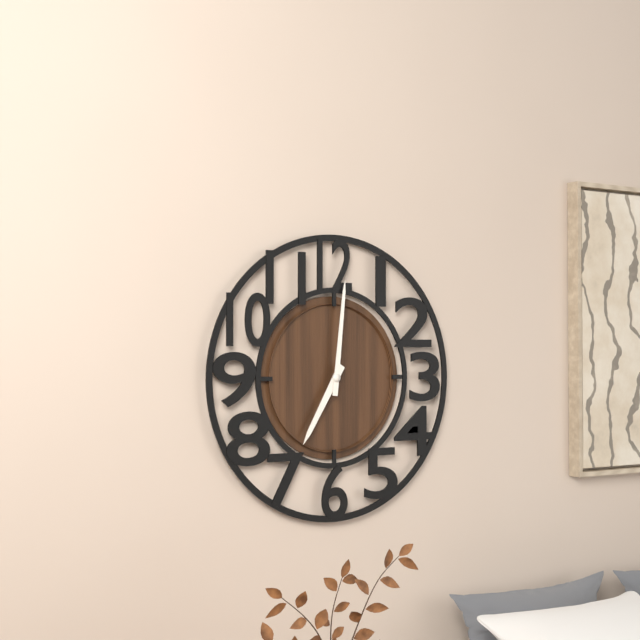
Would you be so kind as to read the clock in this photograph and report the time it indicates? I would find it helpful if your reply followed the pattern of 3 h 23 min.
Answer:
7 h 01 min
